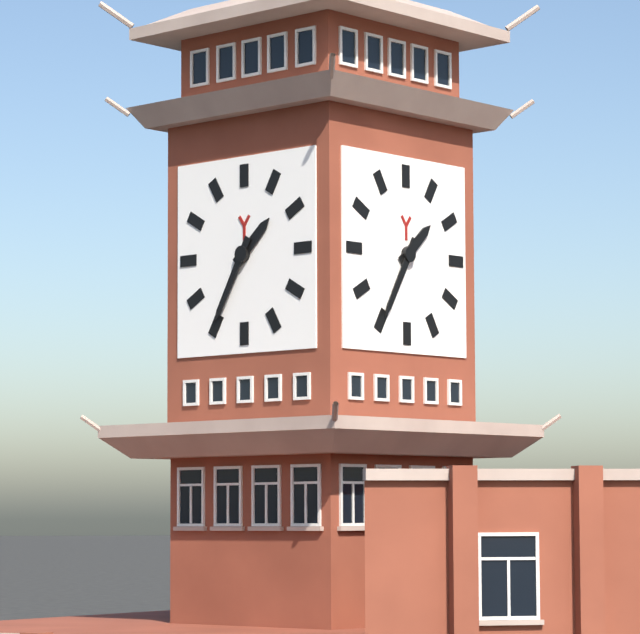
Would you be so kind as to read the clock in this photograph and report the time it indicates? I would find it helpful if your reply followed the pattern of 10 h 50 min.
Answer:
1 h 35 min
